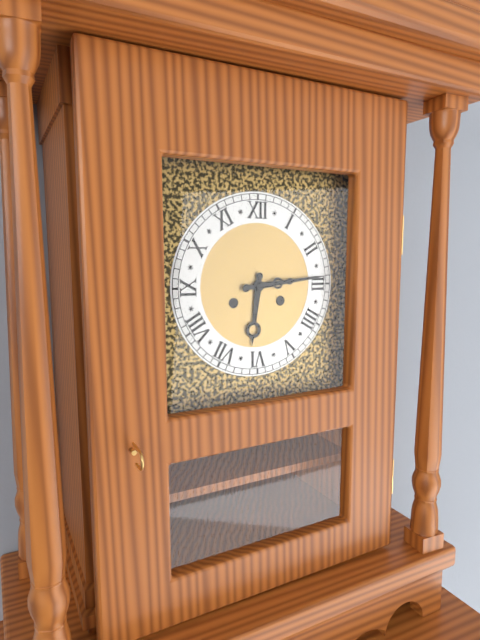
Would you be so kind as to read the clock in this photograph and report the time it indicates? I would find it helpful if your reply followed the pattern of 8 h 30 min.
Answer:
6 h 14 min
